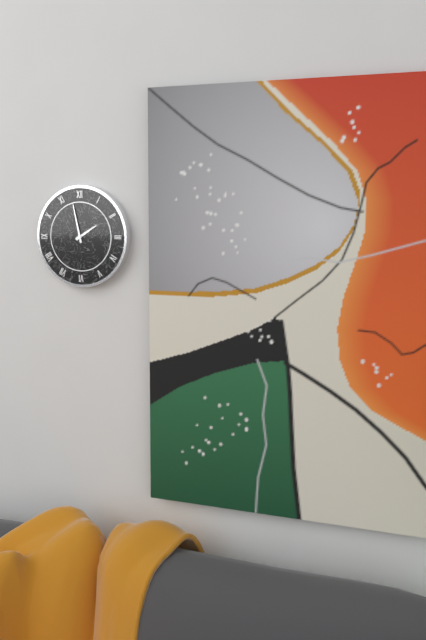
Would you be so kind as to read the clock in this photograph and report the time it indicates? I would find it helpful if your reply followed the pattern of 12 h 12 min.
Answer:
1 h 58 min
